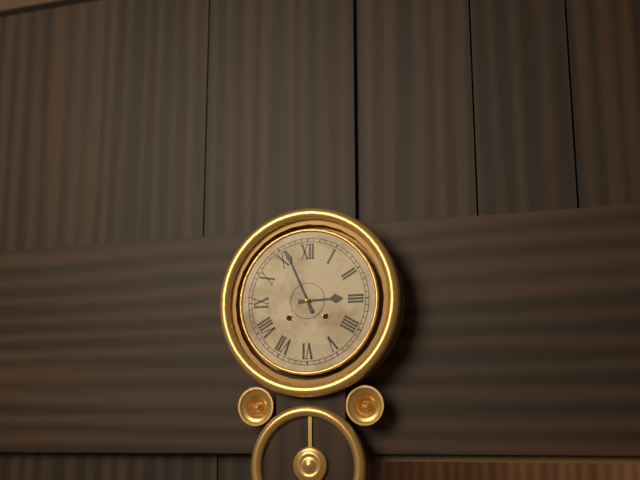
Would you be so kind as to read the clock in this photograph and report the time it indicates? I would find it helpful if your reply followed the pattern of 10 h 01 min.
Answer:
2 h 56 min
